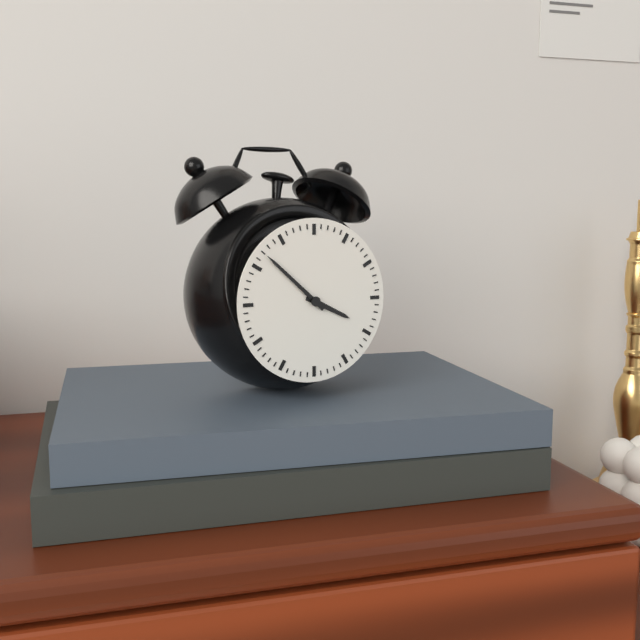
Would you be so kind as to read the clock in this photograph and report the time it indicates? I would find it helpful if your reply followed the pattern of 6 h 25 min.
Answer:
3 h 52 min
